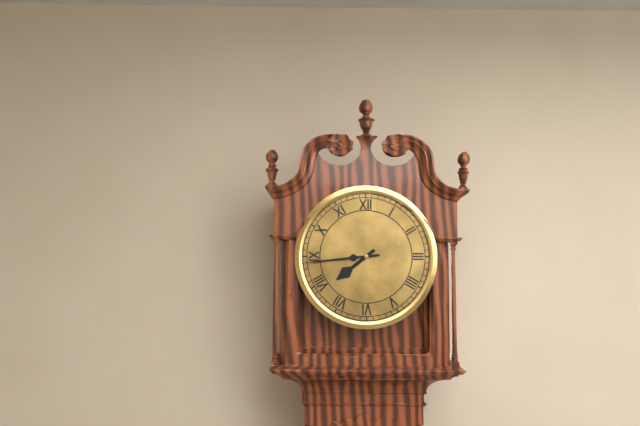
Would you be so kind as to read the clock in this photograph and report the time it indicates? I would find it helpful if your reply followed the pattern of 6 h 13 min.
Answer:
7 h 44 min
